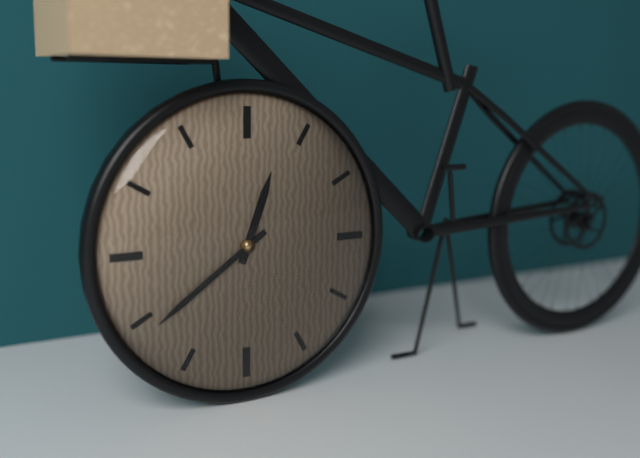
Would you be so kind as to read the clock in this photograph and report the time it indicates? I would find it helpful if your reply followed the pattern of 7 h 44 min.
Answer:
12 h 39 min
